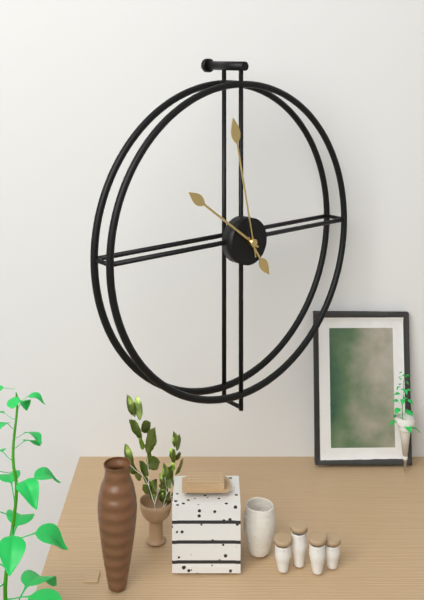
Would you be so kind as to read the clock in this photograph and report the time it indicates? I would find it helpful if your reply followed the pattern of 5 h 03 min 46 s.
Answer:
4 h 51 min 58 s
